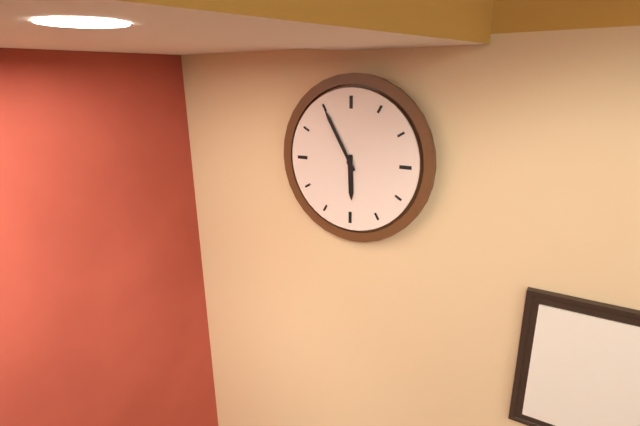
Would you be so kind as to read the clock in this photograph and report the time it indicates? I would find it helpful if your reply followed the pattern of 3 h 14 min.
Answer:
5 h 55 min
